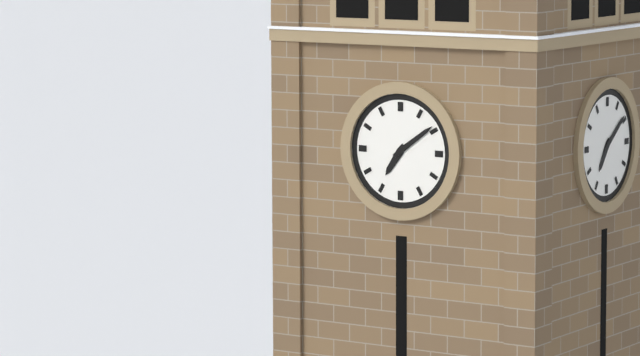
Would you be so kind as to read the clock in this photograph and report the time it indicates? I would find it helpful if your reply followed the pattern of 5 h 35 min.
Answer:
7 h 09 min
